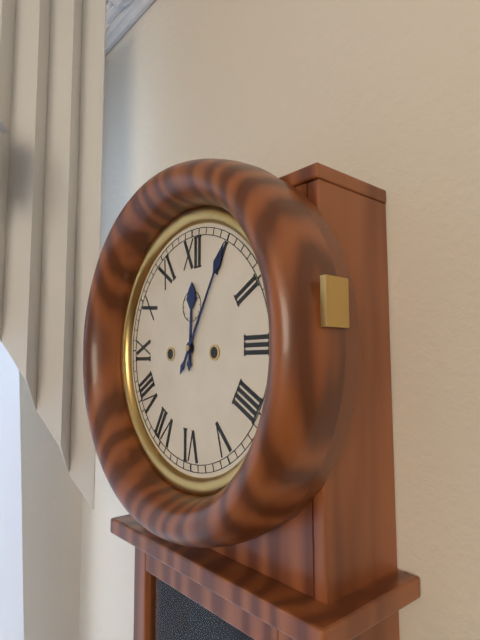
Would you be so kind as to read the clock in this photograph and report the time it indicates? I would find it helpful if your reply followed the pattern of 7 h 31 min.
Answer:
12 h 05 min
